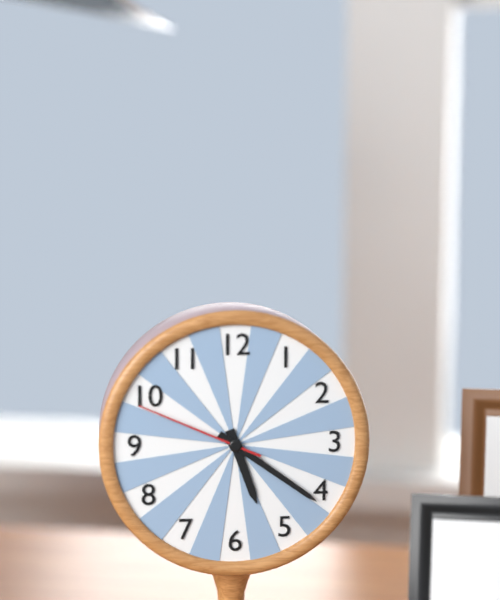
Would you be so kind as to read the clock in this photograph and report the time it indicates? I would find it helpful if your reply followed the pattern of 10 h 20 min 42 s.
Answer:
5 h 21 min 49 s
